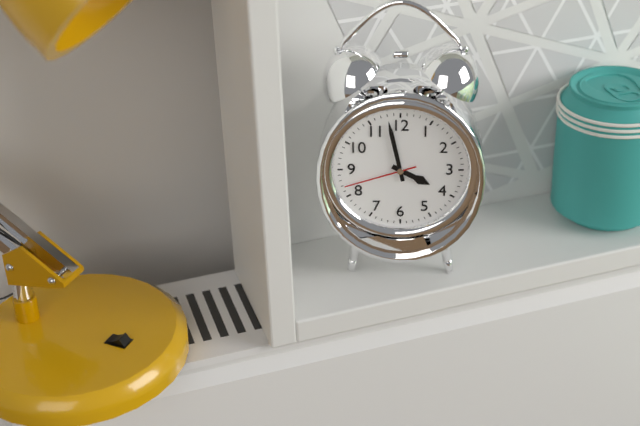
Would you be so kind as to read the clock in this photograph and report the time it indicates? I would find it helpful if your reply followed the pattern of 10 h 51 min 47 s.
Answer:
3 h 58 min 42 s
